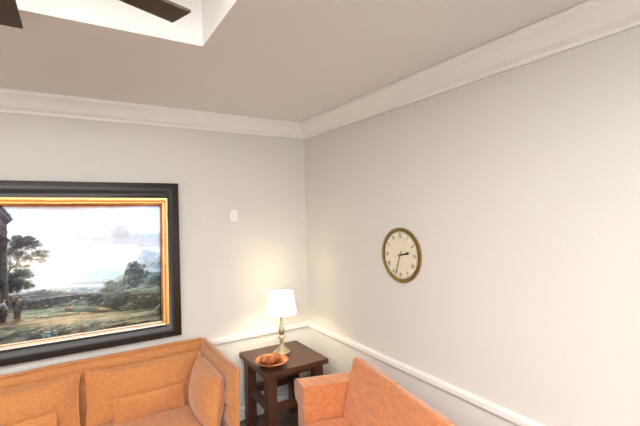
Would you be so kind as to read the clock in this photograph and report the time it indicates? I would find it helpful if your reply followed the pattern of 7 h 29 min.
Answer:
2 h 33 min
